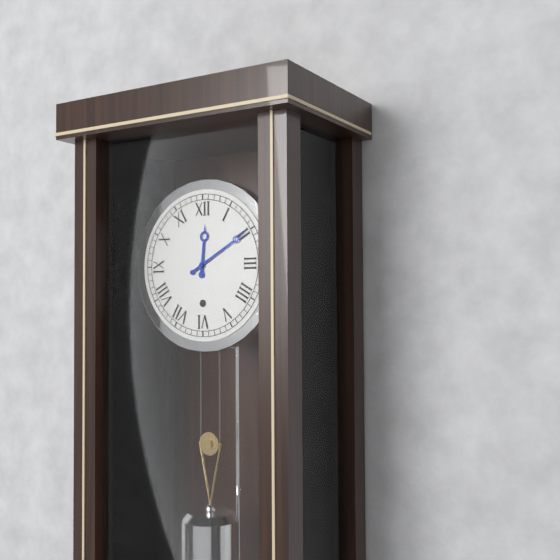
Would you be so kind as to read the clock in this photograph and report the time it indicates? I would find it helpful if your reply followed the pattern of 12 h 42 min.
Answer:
12 h 10 min
